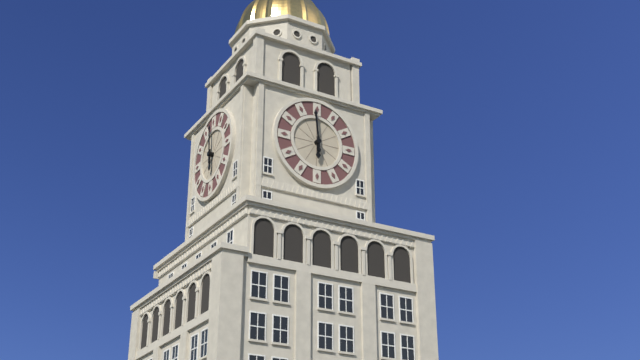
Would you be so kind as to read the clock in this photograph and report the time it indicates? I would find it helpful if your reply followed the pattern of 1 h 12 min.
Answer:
5 h 59 min
